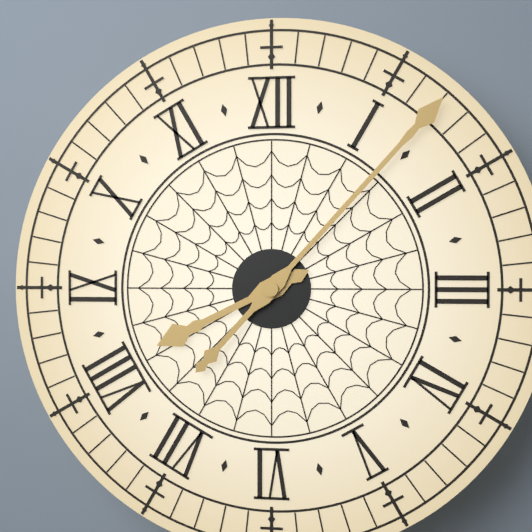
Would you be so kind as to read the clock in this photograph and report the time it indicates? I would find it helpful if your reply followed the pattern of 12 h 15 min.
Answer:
8 h 07 min
